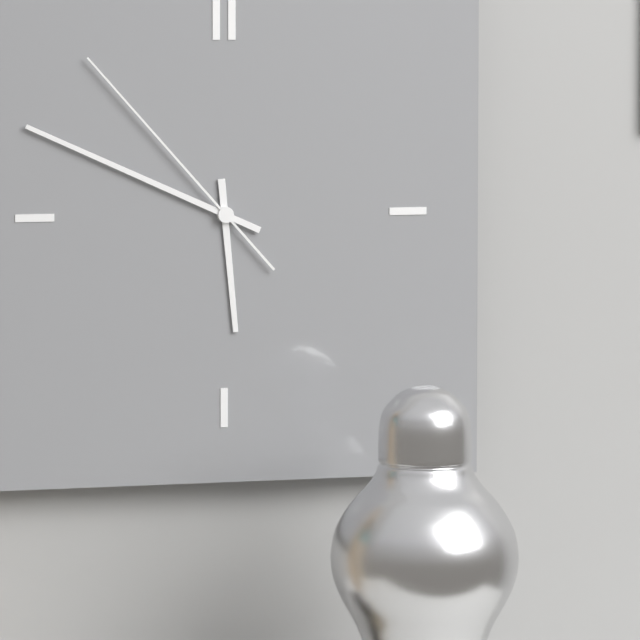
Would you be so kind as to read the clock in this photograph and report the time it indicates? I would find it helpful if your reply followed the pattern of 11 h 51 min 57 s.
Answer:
5 h 49 min 53 s
